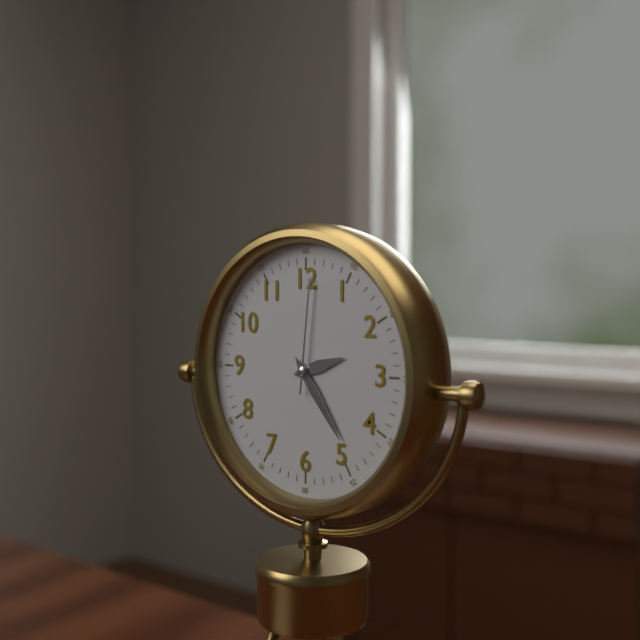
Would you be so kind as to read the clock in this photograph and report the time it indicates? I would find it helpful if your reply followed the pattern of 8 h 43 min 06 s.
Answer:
2 h 24 min 01 s
